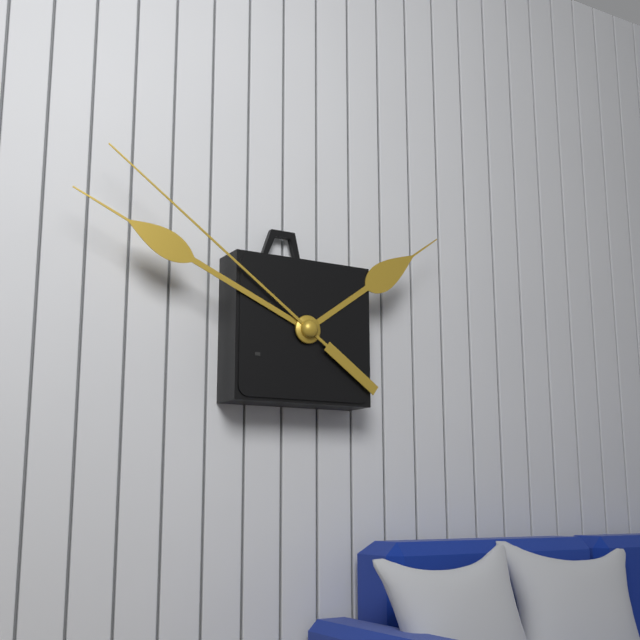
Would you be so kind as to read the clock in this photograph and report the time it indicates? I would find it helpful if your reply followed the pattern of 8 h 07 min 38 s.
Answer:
1 h 49 min 51 s
